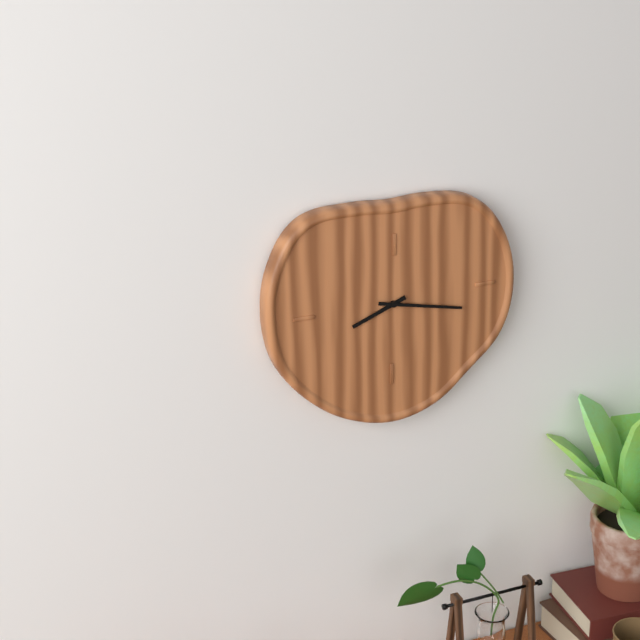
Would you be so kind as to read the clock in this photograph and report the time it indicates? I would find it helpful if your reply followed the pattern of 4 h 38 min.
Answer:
8 h 17 min
